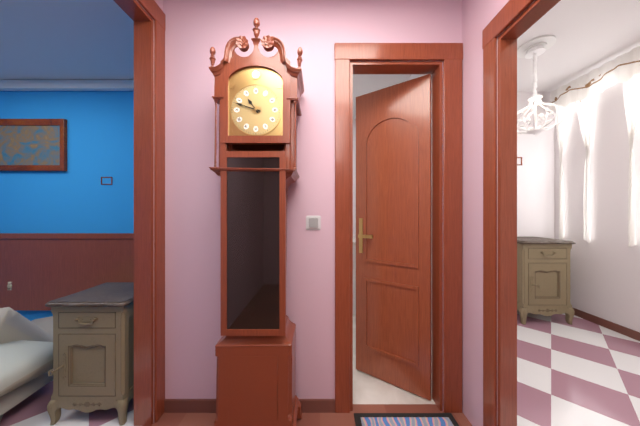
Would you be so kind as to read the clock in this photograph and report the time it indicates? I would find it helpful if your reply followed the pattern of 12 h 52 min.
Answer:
10 h 48 min
